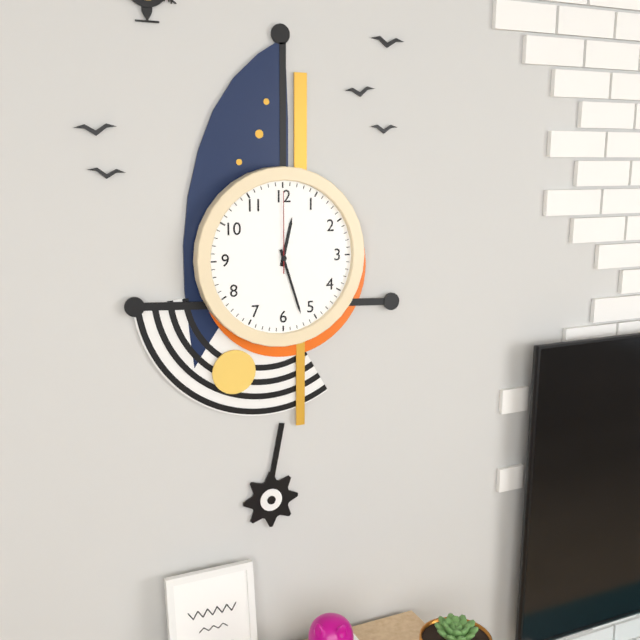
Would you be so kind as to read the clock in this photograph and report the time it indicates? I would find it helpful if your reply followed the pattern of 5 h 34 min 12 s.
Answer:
12 h 27 min 00 s
